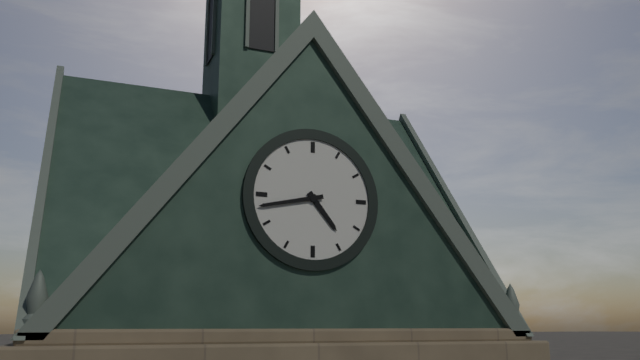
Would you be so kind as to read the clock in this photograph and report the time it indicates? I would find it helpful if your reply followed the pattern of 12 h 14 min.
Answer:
4 h 43 min
